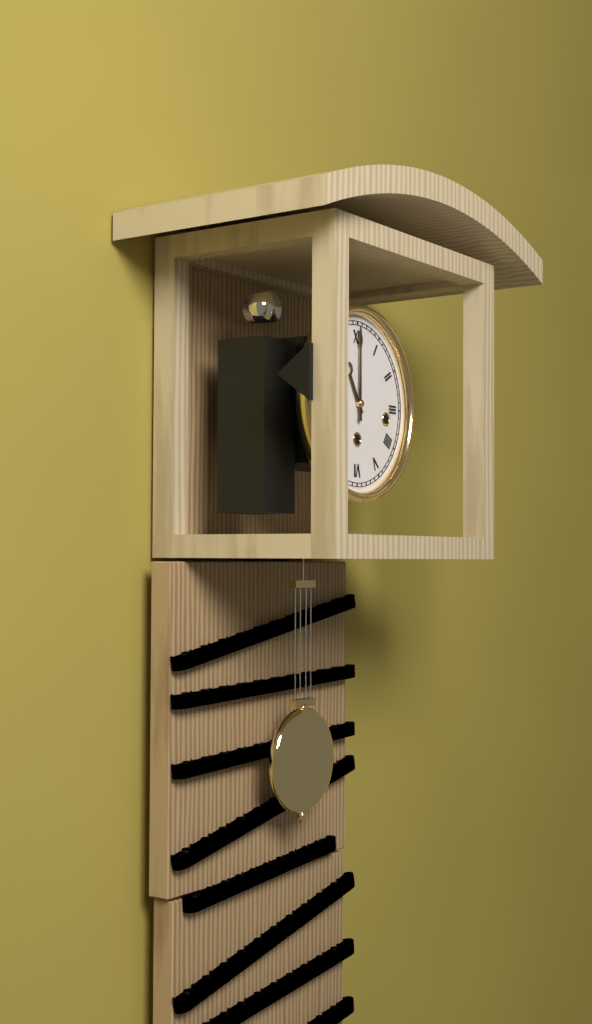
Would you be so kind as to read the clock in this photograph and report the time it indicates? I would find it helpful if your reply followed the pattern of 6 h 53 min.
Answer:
11 h 00 min
